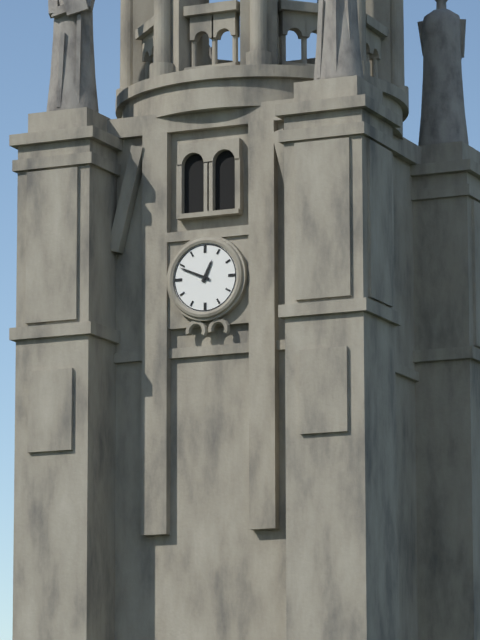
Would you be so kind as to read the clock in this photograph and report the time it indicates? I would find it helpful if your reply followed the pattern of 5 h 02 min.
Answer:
12 h 49 min
